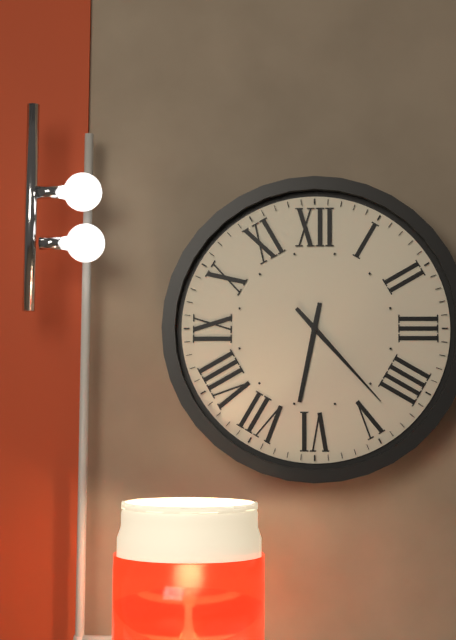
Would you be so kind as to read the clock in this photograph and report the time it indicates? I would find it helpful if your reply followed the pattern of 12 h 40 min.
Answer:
6 h 23 min
